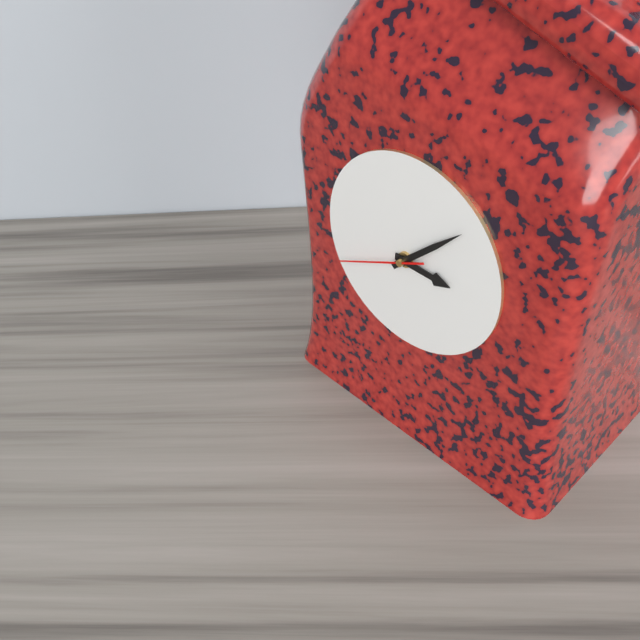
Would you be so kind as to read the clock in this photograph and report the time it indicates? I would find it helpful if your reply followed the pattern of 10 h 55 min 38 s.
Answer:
3 h 08 min 41 s
